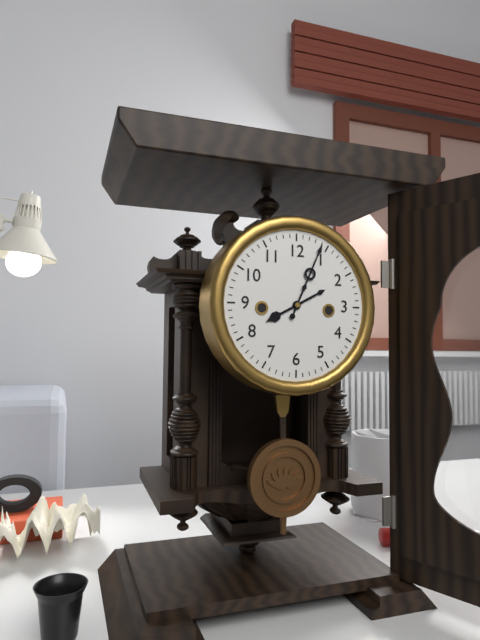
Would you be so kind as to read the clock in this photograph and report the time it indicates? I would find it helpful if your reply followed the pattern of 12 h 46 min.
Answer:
8 h 04 min
